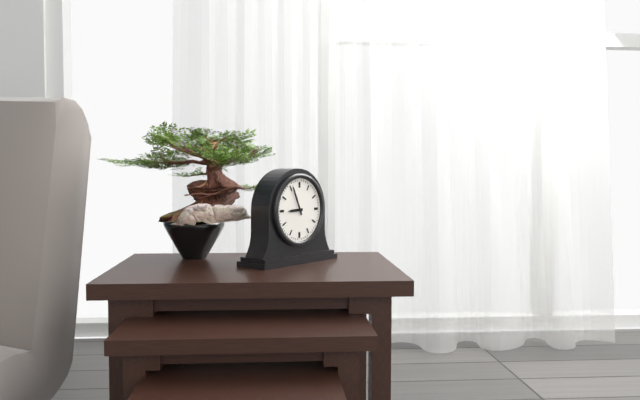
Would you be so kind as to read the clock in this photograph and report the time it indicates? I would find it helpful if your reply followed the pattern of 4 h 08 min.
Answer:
8 h 56 min
